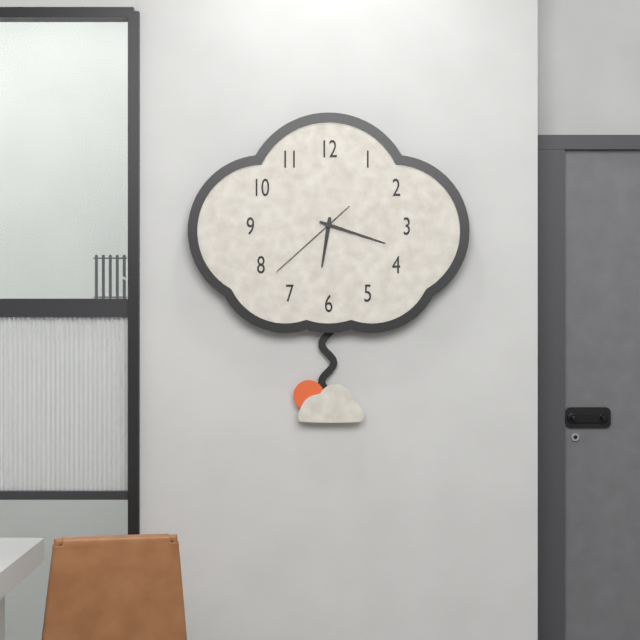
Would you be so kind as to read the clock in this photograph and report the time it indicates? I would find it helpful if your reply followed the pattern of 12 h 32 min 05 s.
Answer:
6 h 18 min 38 s
